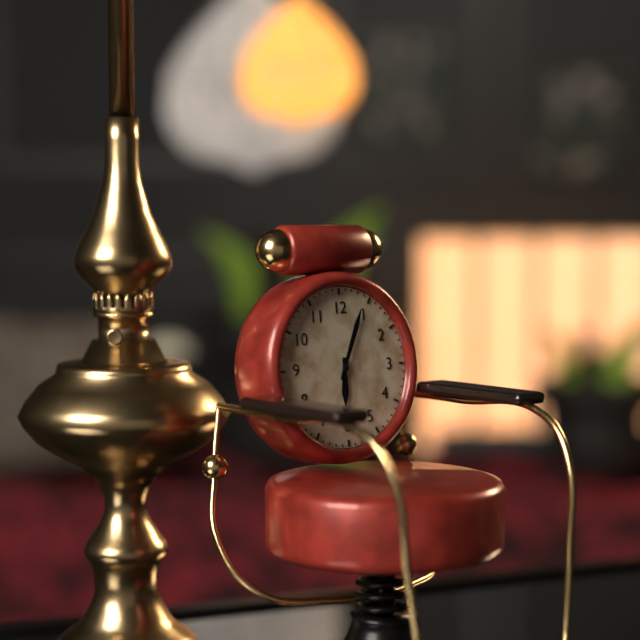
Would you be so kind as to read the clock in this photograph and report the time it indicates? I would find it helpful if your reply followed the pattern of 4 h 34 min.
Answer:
6 h 04 min
